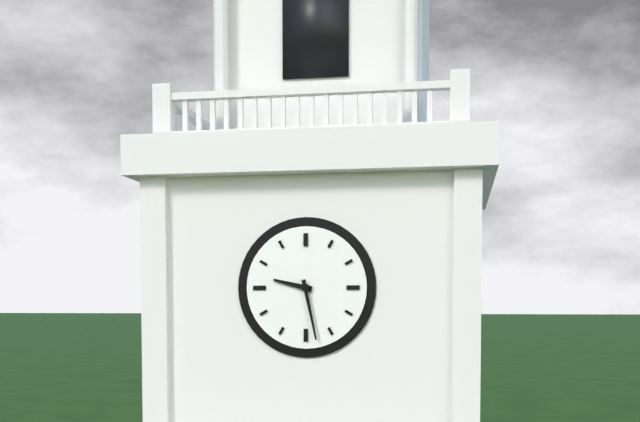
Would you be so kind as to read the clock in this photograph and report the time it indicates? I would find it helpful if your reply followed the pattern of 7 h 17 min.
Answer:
9 h 28 min
